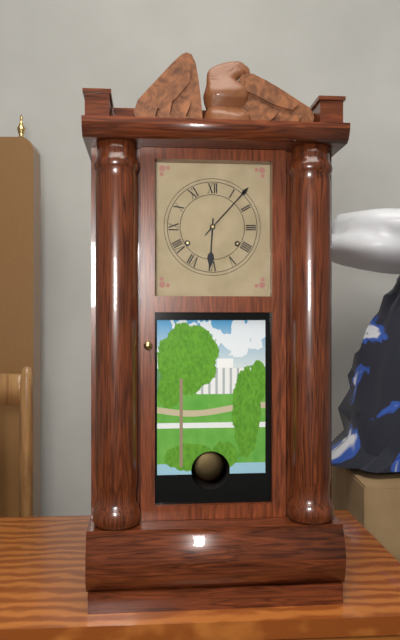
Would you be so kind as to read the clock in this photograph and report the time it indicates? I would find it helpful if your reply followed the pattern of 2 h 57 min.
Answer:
6 h 07 min
